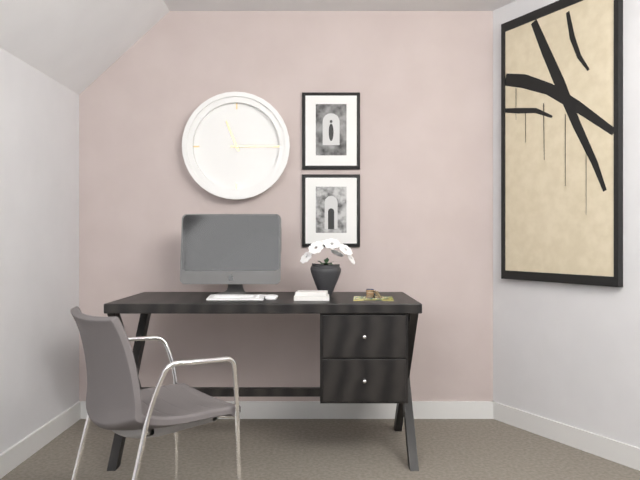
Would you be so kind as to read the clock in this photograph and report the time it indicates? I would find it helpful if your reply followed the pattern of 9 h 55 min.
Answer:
11 h 15 min
